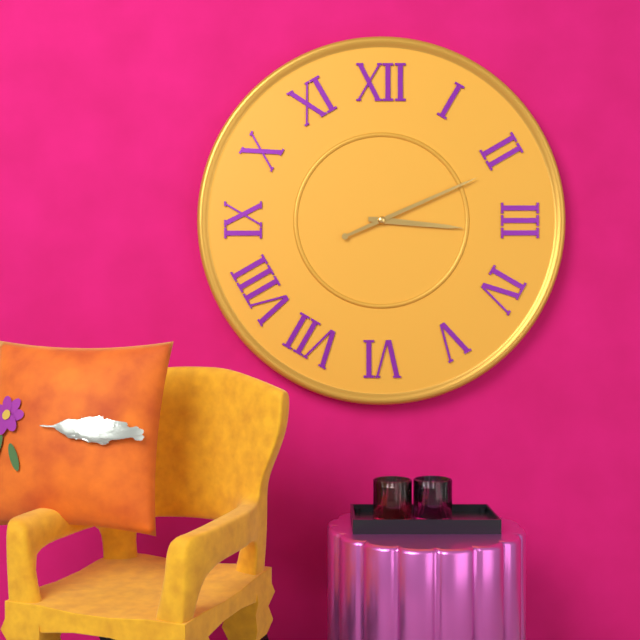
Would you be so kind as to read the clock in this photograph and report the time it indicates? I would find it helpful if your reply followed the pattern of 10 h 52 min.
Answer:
3 h 11 min
